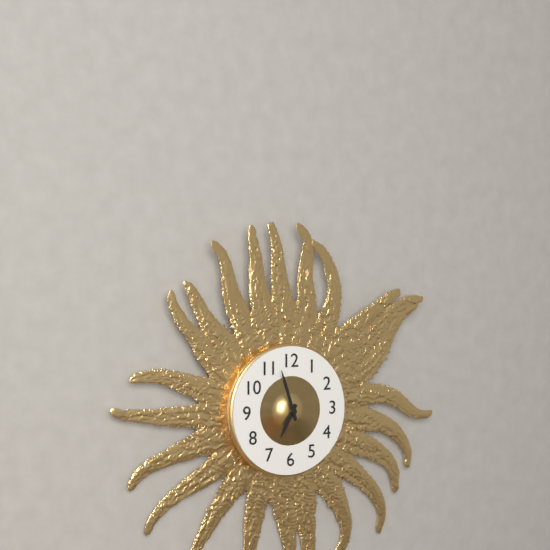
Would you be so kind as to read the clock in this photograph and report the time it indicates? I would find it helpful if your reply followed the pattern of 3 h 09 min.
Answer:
6 h 57 min
